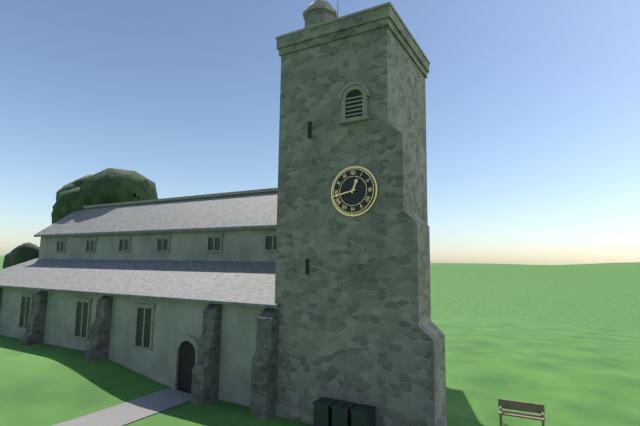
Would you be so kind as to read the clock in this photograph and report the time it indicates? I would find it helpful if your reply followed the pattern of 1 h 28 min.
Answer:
12 h 43 min
